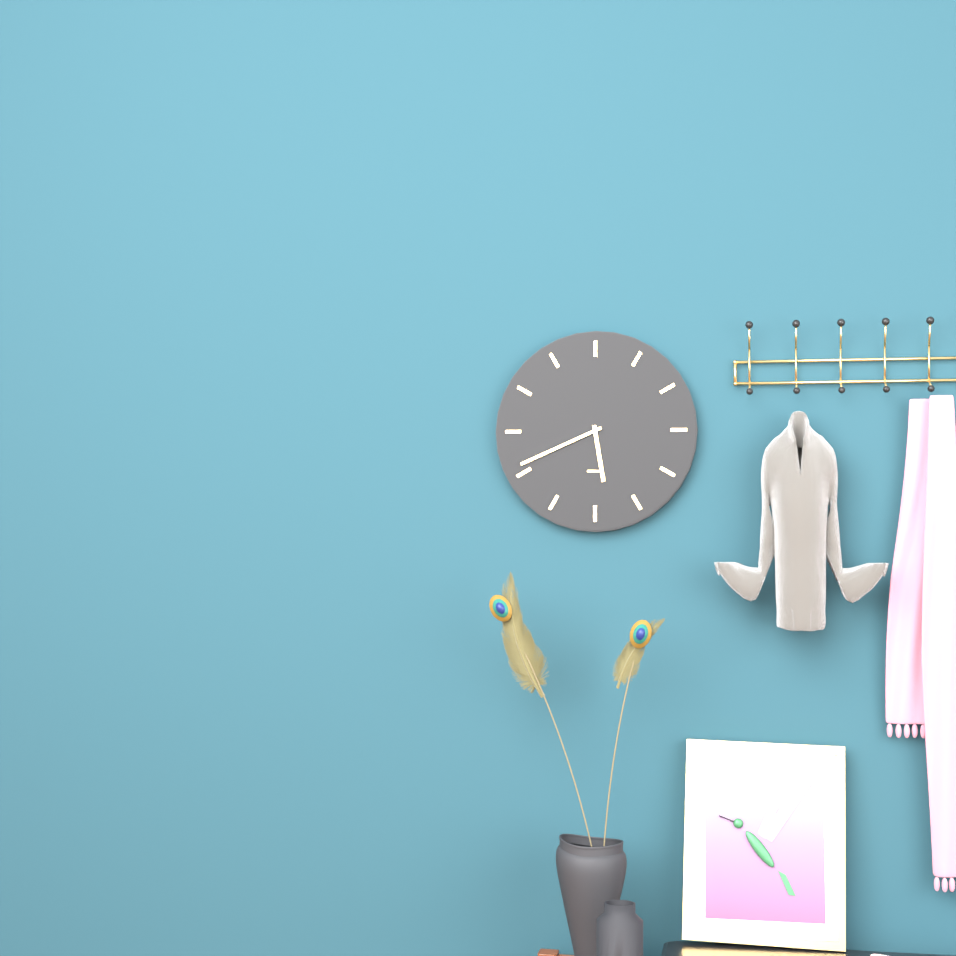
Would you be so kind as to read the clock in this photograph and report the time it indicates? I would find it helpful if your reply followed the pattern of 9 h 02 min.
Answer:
5 h 41 min
